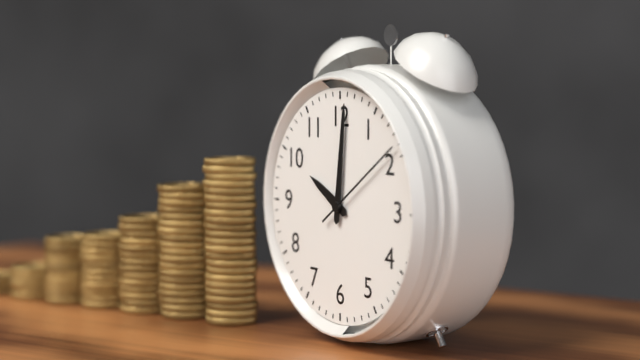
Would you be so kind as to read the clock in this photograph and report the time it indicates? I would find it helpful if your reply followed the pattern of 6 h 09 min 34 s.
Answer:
10 h 01 min 09 s
